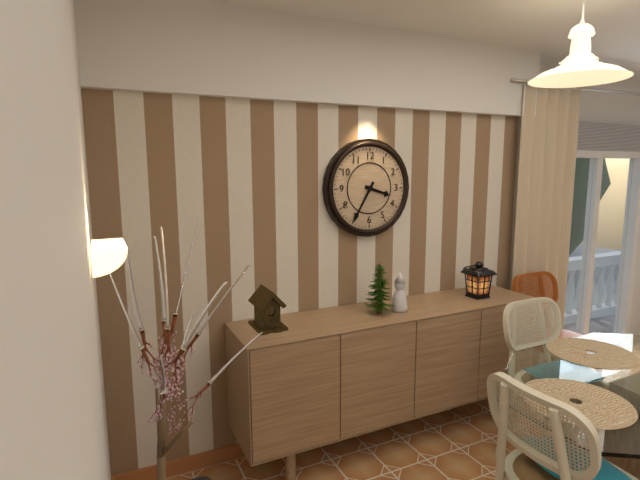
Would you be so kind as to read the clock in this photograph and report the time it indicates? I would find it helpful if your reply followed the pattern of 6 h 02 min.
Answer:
3 h 35 min
